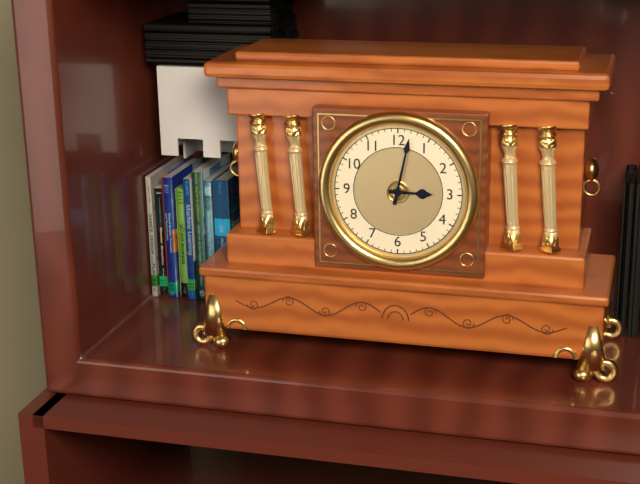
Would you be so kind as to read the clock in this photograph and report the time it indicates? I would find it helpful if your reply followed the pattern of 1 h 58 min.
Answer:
3 h 02 min
